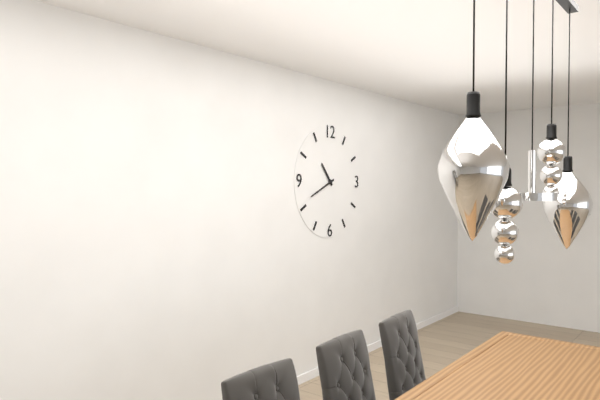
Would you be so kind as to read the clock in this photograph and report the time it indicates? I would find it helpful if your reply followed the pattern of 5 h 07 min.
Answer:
10 h 41 min
